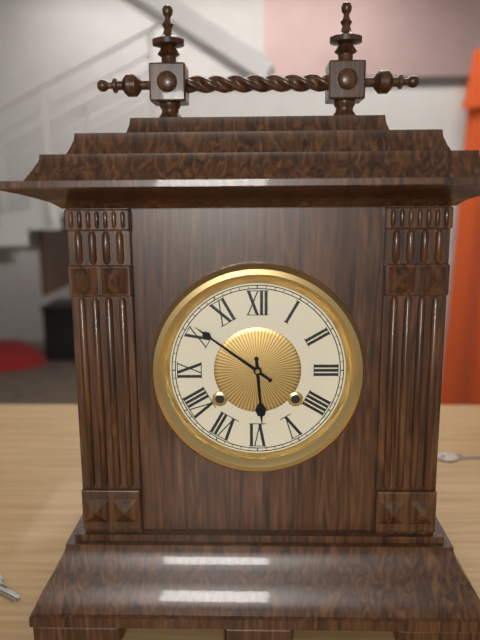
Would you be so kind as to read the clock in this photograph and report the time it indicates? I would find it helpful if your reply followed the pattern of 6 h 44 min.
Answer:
5 h 51 min
